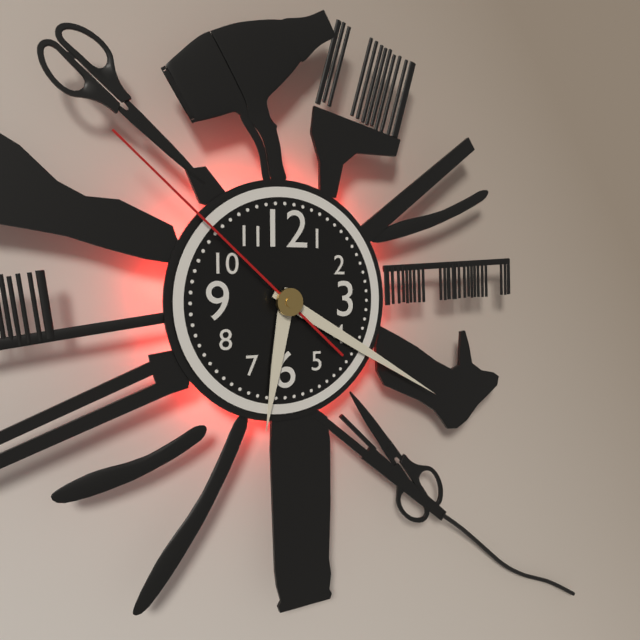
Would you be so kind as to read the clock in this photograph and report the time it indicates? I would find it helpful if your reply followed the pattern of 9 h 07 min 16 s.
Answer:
6 h 20 min 52 s
